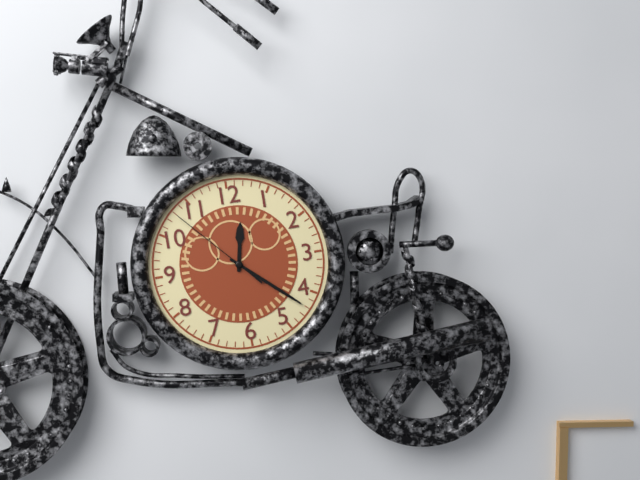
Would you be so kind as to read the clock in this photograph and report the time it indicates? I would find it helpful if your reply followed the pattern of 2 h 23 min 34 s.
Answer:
12 h 22 min 53 s
